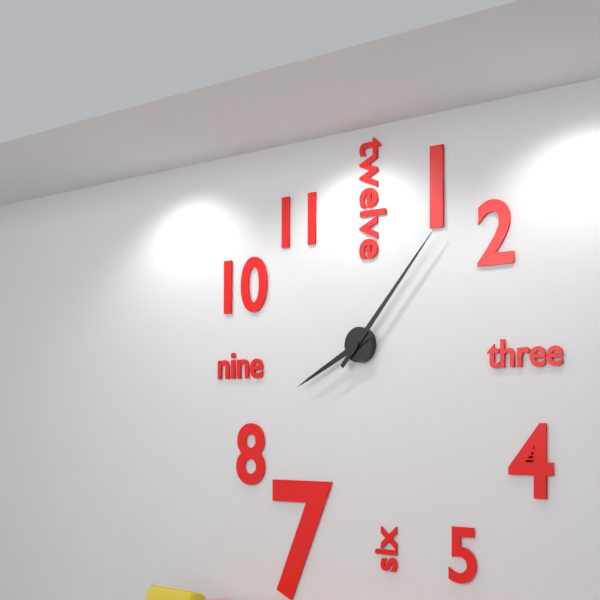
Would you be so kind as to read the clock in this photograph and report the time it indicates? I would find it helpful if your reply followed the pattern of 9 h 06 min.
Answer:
8 h 07 min
